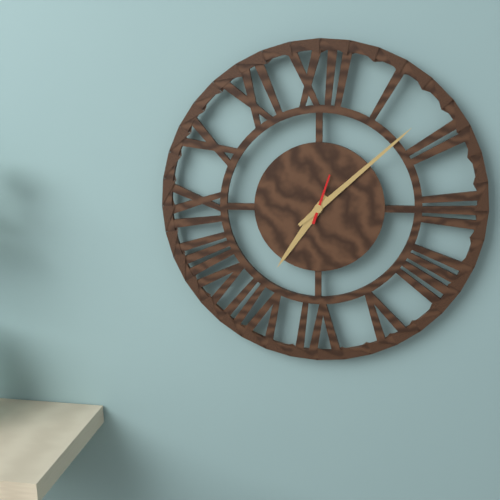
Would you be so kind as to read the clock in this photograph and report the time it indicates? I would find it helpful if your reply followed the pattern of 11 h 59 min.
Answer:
7 h 08 min
